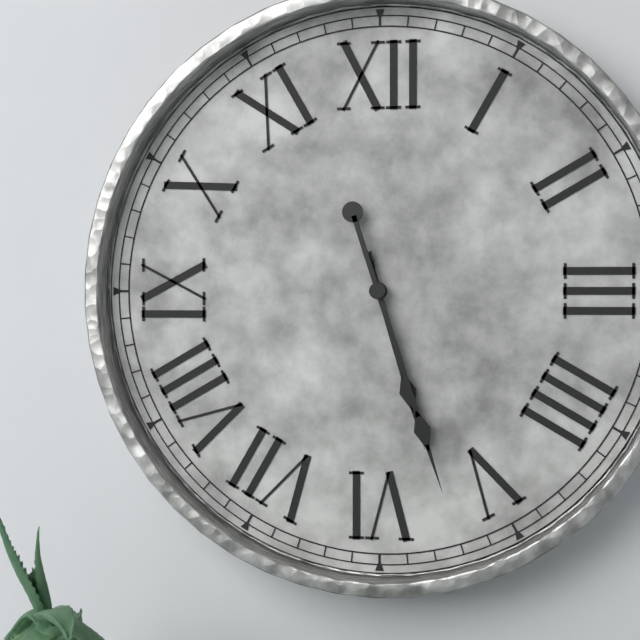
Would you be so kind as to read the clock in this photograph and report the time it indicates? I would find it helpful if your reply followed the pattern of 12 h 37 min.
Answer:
5 h 27 min
